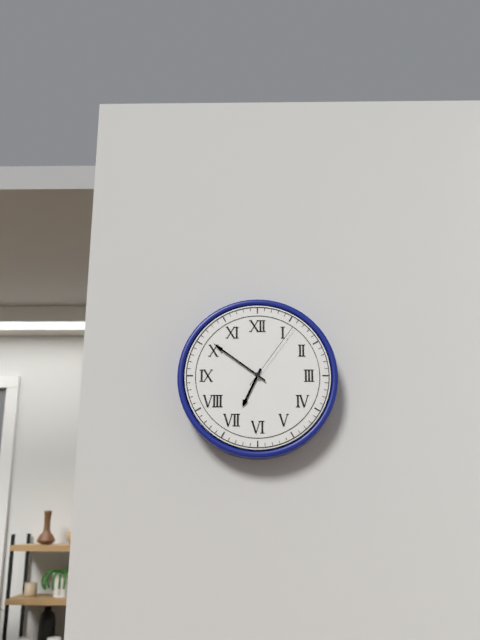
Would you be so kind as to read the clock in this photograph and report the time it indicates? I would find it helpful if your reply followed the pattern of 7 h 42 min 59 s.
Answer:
6 h 51 min 06 s
